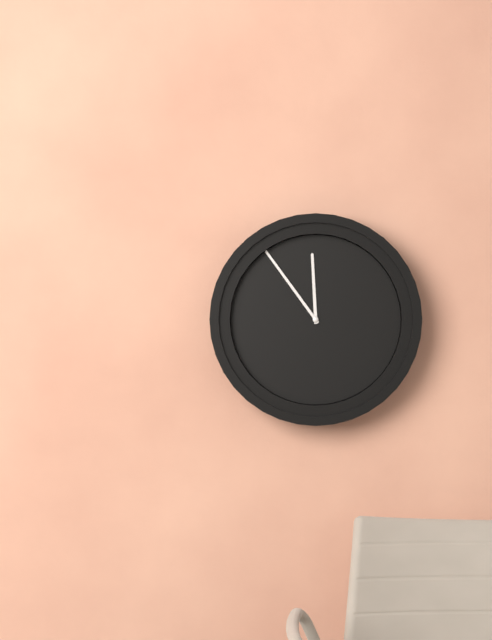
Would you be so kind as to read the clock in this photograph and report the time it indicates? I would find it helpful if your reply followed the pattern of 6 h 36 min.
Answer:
11 h 54 min
